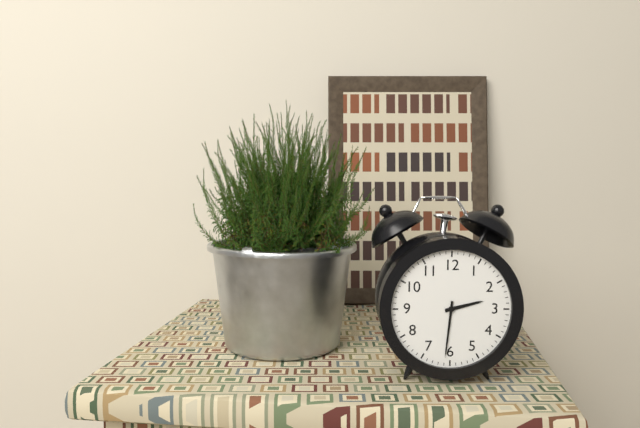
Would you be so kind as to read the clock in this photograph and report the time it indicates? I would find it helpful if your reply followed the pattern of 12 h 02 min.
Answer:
2 h 31 min
